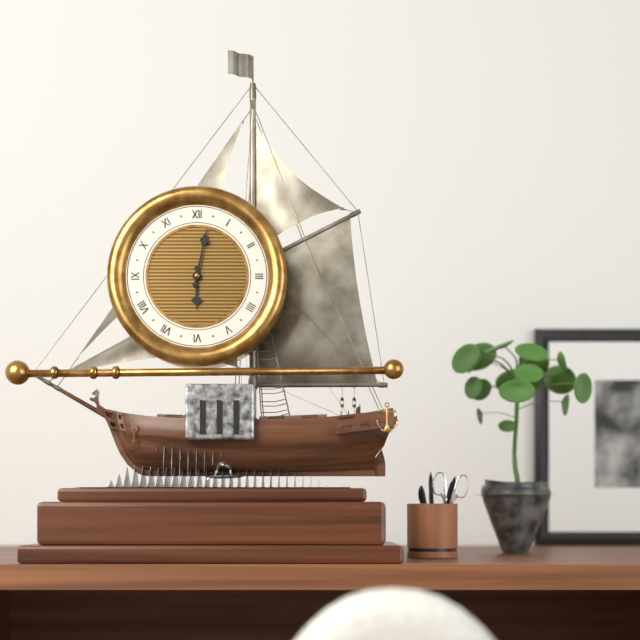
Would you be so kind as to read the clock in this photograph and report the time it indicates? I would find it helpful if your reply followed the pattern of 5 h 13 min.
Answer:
6 h 02 min
